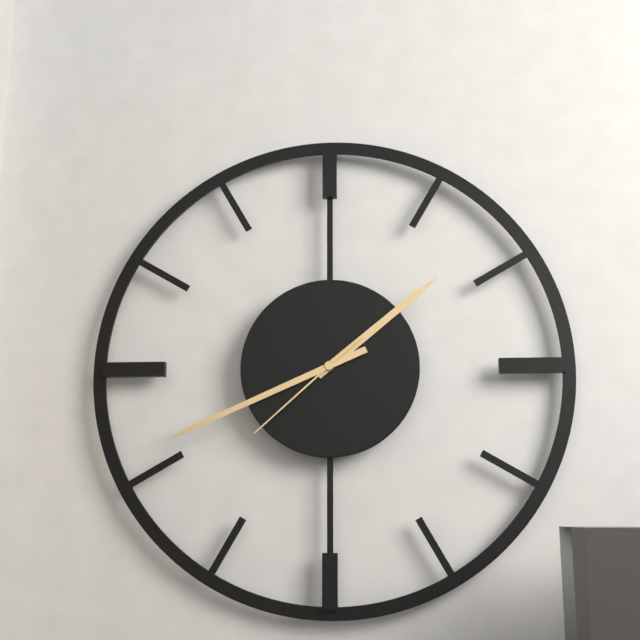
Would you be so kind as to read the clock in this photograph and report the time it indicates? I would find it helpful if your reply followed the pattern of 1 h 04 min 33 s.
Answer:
1 h 41 min 38 s
